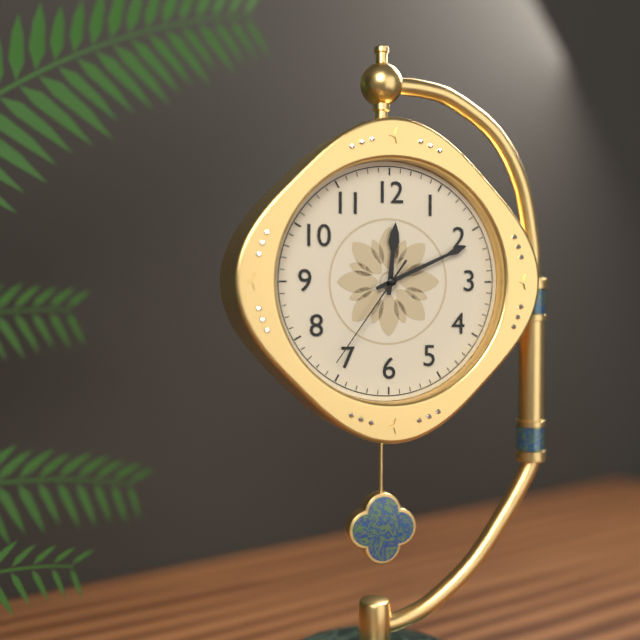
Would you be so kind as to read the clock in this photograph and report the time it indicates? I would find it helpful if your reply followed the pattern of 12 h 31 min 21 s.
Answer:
12 h 11 min 36 s
